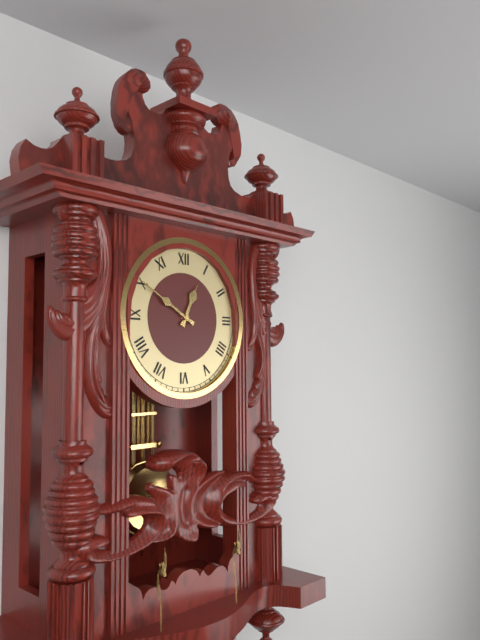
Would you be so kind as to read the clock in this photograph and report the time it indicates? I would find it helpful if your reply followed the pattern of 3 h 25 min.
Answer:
12 h 50 min
